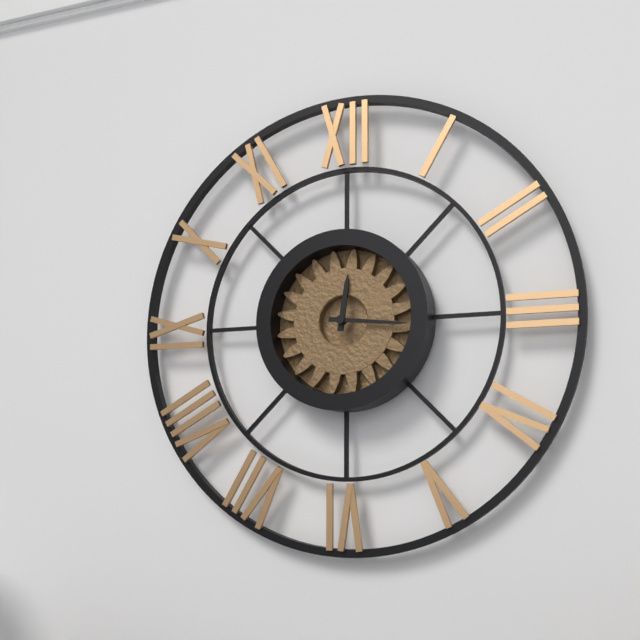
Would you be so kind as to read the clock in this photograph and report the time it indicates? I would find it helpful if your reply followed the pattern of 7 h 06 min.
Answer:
12 h 16 min
